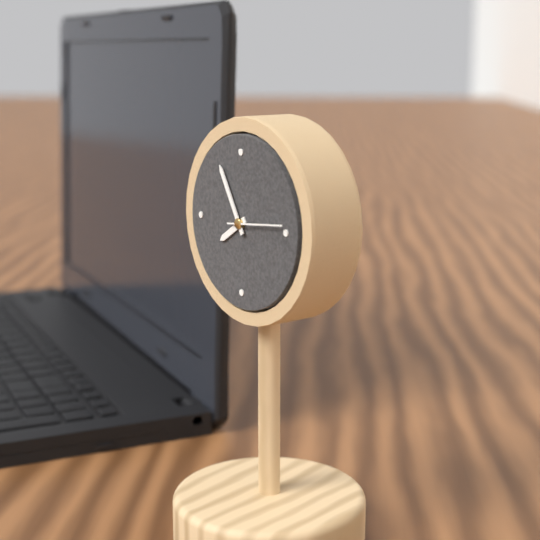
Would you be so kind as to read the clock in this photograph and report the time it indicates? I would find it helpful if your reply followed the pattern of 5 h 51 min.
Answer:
7 h 55 min
